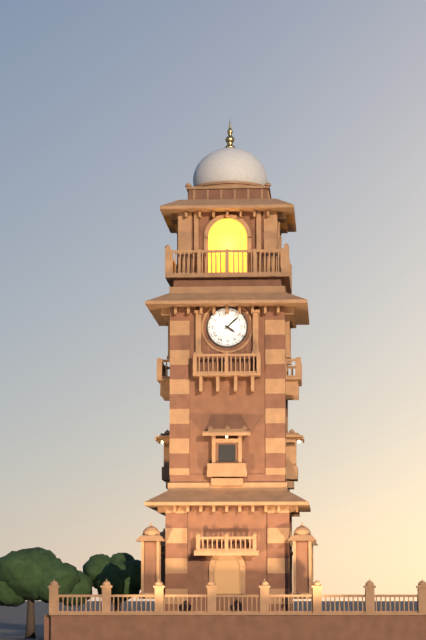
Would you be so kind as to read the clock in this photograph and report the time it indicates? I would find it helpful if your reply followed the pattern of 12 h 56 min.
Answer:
4 h 08 min
